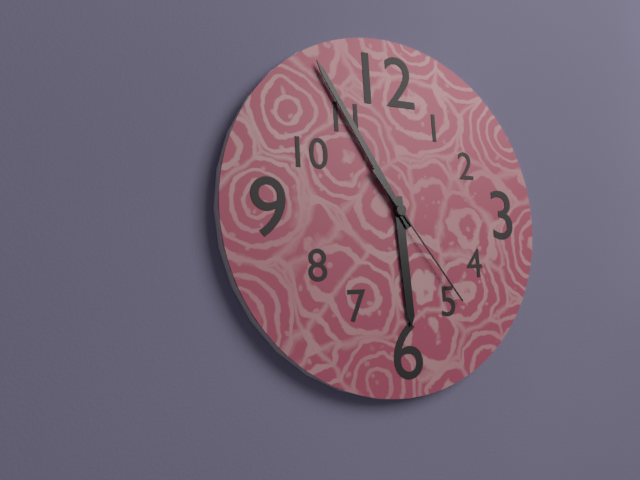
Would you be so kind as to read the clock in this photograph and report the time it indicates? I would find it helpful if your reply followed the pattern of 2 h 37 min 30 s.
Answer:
5 h 55 min 24 s
